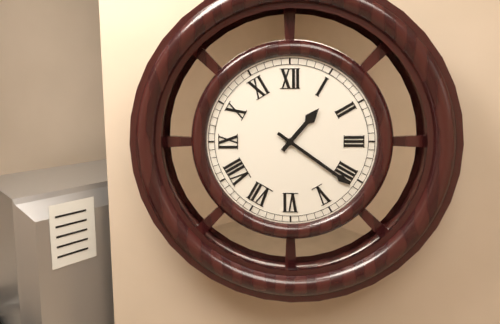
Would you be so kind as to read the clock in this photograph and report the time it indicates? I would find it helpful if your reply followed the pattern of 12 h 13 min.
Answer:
1 h 21 min
